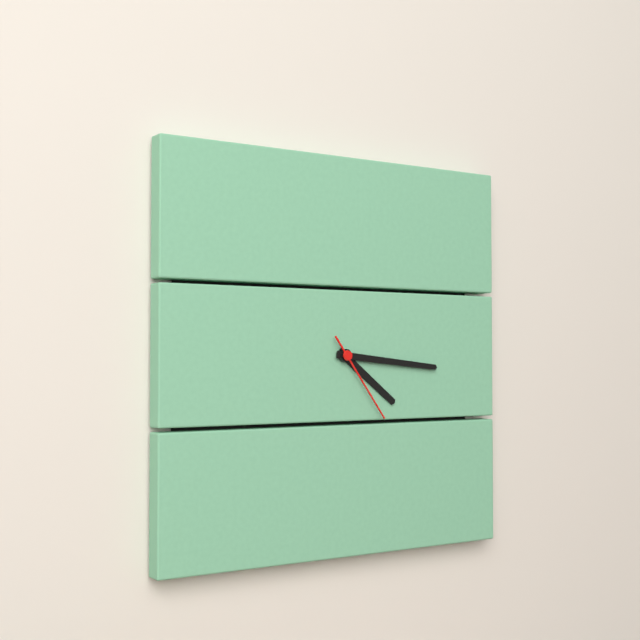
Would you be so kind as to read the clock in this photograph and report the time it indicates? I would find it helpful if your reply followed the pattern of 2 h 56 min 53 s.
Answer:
4 h 16 min 24 s
